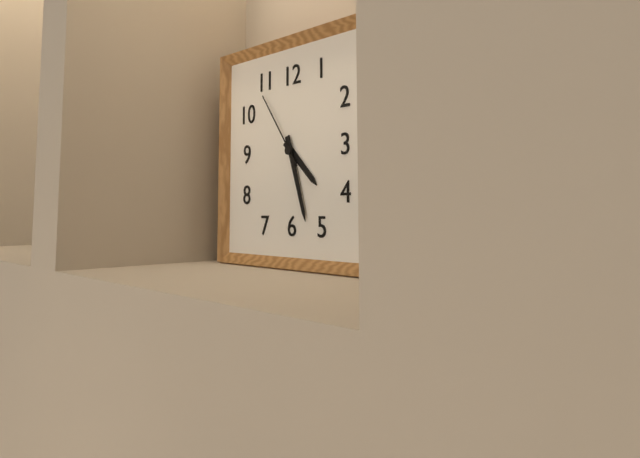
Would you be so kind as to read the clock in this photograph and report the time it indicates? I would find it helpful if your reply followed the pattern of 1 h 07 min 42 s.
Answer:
4 h 27 min 54 s
